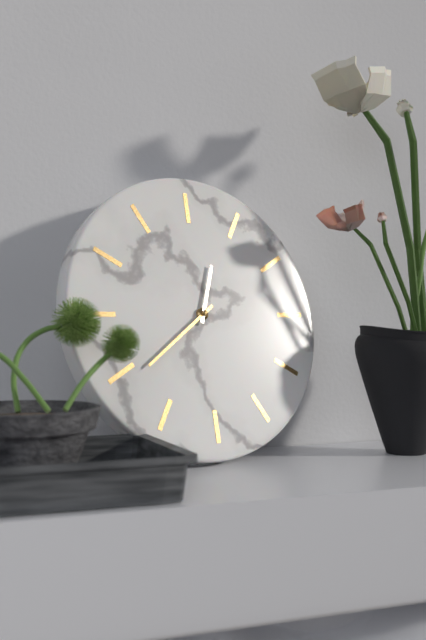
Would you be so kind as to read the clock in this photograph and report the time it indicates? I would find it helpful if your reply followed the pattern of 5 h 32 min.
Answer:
12 h 39 min
